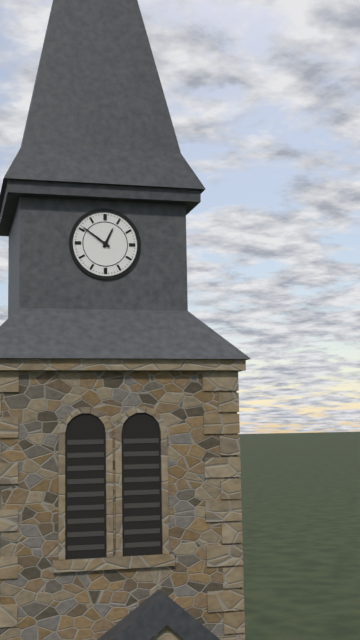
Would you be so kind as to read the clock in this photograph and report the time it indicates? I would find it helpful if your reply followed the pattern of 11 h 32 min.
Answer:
12 h 51 min
